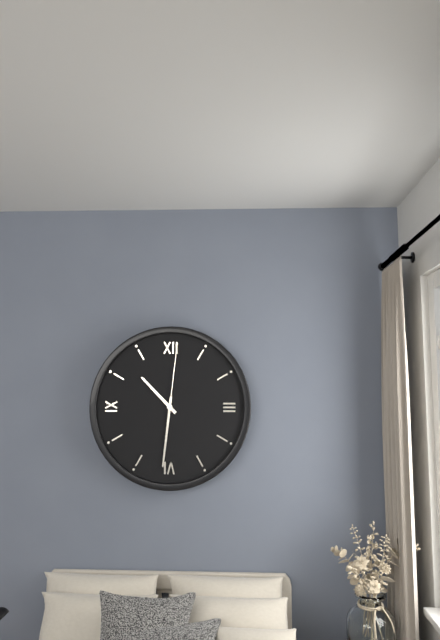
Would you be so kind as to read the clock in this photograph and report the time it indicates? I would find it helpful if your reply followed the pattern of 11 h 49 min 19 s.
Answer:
10 h 31 min 01 s
